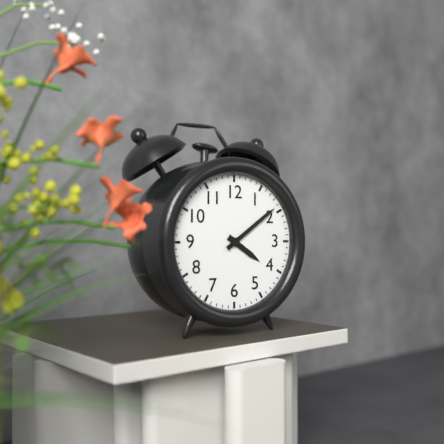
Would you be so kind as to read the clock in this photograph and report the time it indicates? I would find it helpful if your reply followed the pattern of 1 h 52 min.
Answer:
4 h 09 min
